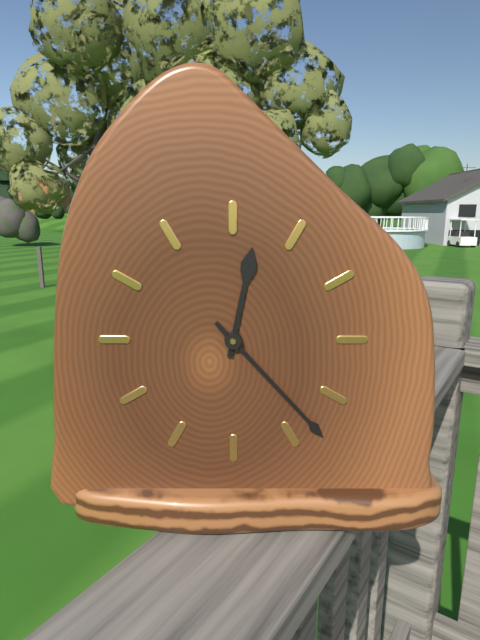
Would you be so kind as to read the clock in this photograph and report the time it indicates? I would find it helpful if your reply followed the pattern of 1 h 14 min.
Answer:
12 h 23 min
